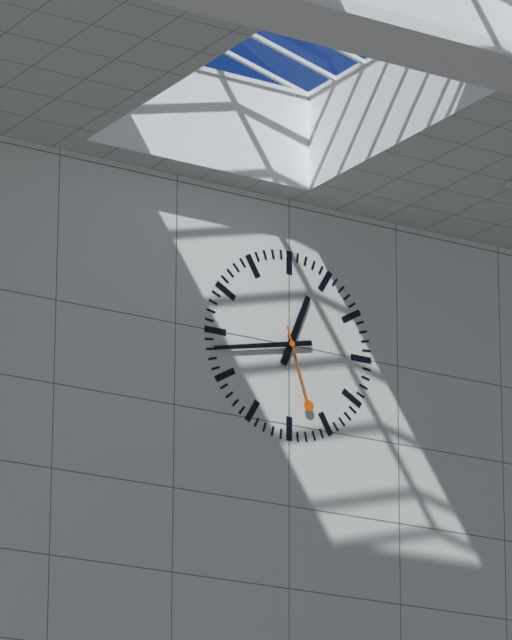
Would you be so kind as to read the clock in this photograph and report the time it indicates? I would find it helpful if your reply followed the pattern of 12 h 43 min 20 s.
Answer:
12 h 43 min 27 s
